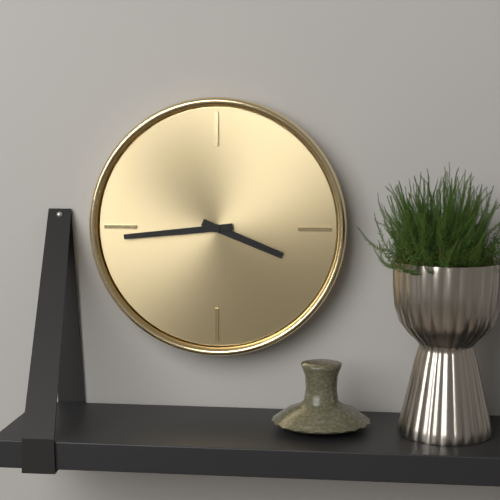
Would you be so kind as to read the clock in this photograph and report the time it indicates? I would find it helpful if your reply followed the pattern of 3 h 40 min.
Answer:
3 h 44 min
